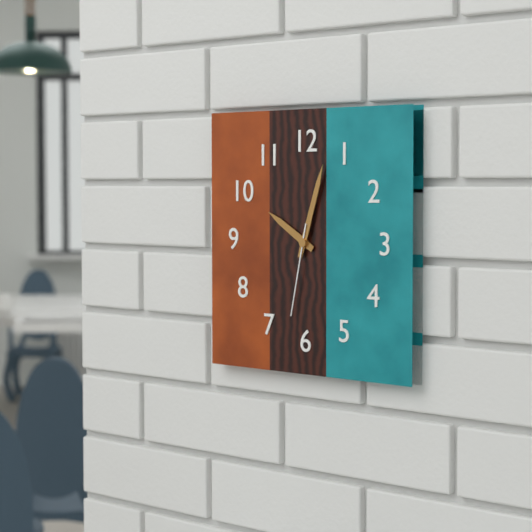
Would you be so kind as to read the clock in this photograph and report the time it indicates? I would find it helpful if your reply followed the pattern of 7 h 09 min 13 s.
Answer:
10 h 03 min 32 s
